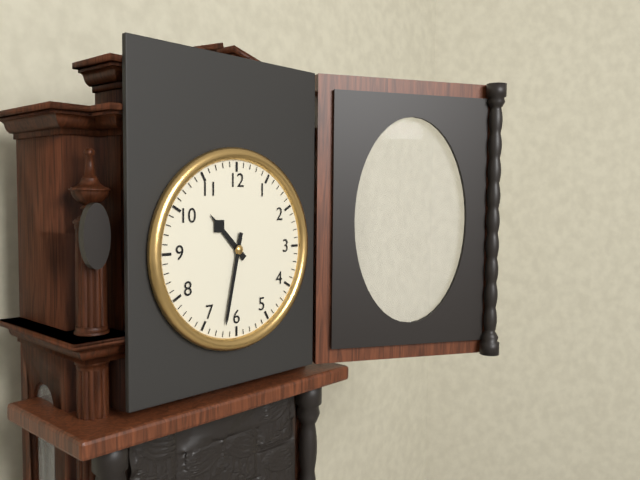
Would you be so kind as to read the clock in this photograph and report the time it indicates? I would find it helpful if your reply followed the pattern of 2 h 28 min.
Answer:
10 h 32 min
